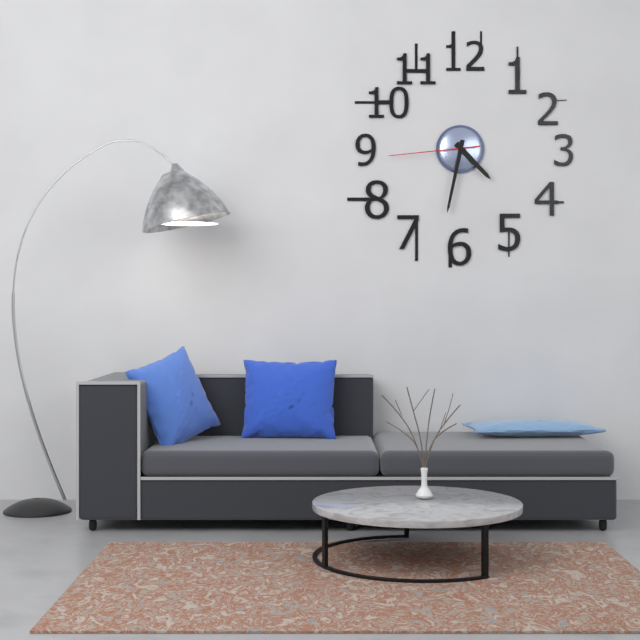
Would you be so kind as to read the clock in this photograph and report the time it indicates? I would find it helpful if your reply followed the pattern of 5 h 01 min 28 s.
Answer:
4 h 32 min 44 s
